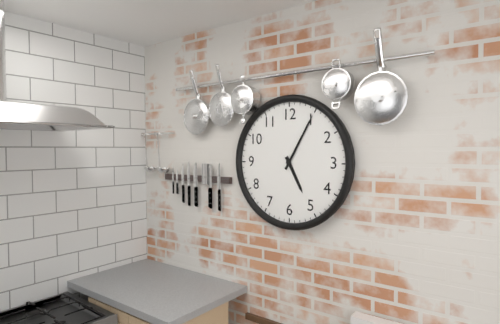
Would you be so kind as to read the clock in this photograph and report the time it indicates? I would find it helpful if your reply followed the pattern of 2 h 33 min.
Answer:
5 h 05 min
